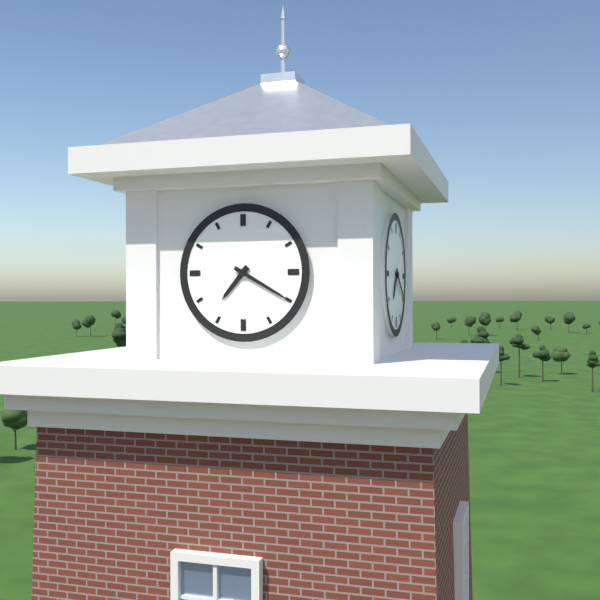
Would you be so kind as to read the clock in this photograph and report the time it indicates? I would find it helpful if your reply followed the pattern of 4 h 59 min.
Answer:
7 h 20 min
